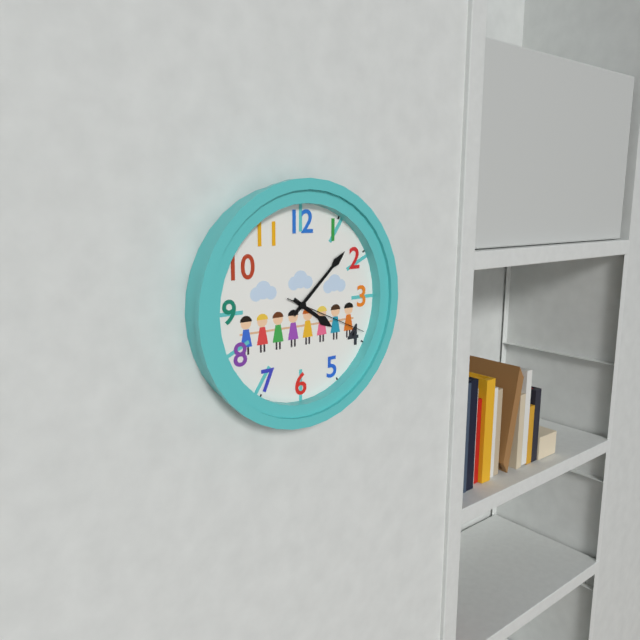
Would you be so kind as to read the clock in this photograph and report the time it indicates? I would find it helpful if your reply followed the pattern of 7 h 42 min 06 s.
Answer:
4 h 08 min 19 s
